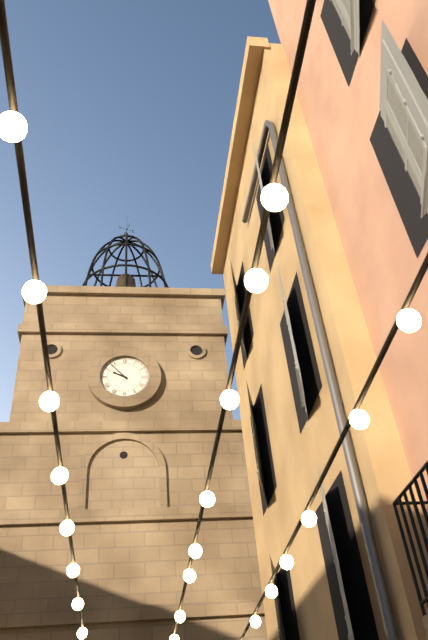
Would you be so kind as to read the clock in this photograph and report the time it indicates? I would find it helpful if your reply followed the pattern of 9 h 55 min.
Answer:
9 h 53 min
